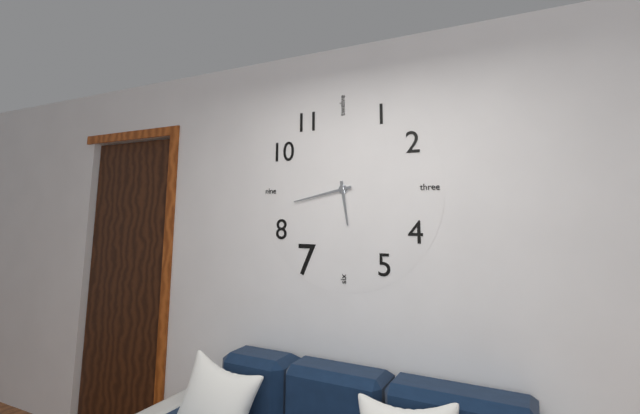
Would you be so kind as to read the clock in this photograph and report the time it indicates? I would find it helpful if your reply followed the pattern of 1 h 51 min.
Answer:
5 h 43 min
